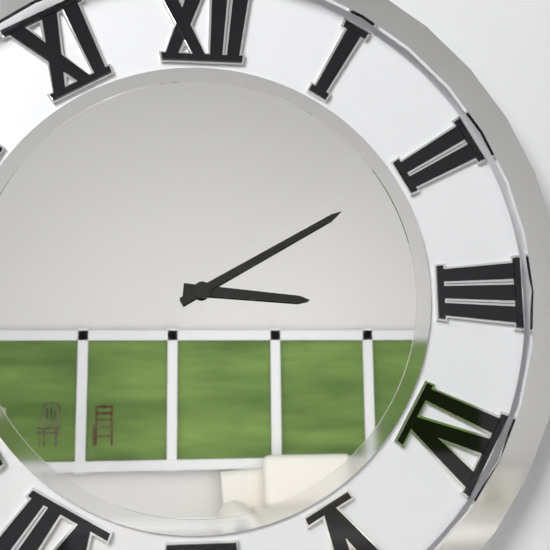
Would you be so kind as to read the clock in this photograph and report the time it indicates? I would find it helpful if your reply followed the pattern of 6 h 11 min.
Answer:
3 h 10 min
